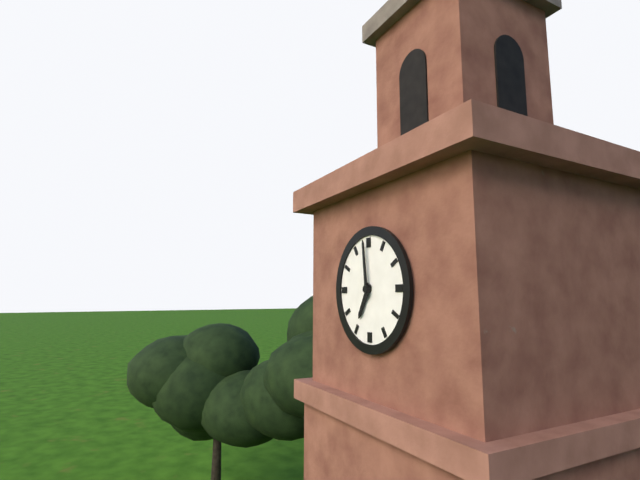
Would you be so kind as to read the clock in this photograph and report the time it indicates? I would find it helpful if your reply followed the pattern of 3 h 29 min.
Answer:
6 h 59 min
